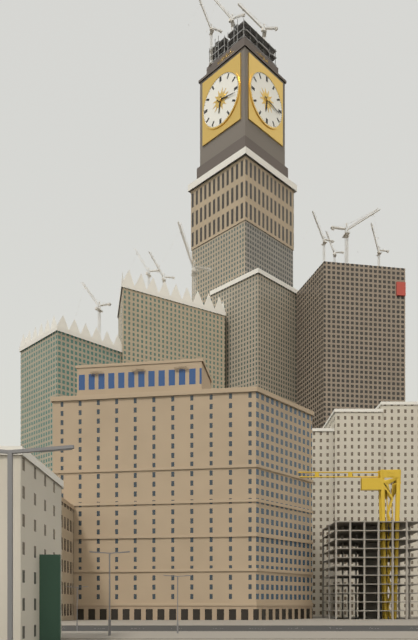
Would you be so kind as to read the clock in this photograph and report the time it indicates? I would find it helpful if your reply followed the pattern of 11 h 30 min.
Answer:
6 h 17 min
